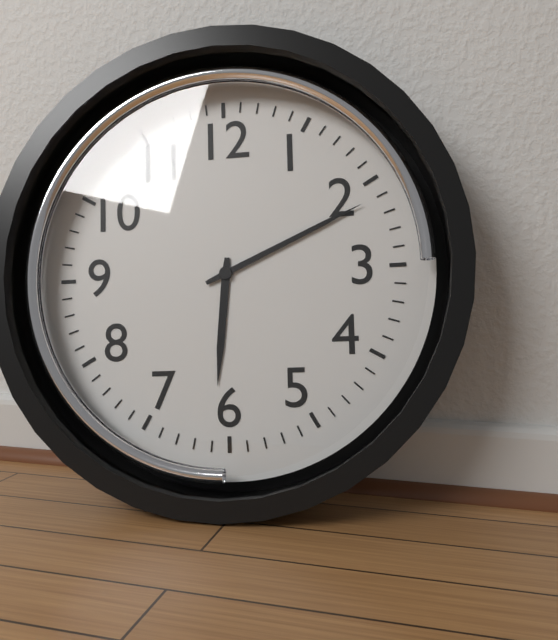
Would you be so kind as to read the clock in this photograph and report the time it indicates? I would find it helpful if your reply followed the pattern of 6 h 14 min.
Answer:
6 h 11 min
